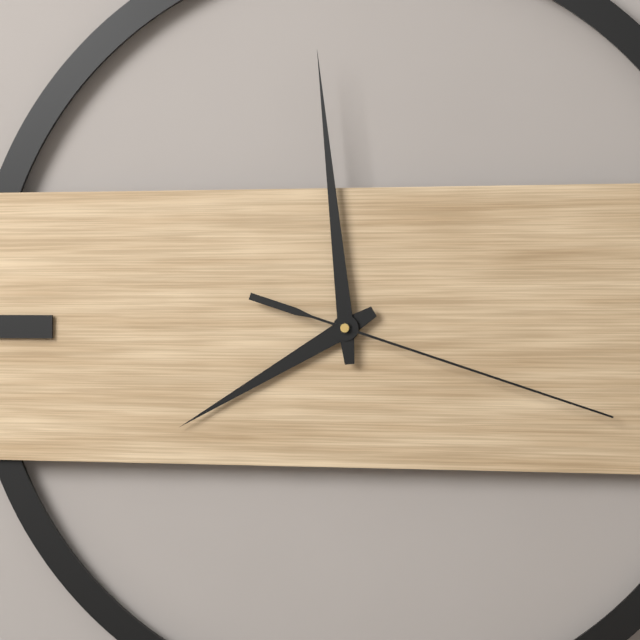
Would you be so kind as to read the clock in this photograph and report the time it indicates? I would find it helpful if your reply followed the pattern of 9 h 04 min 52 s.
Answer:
7 h 59 min 18 s
